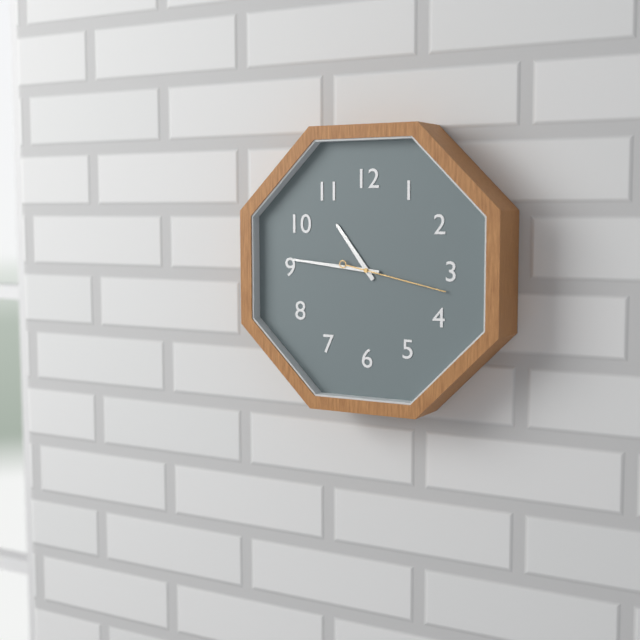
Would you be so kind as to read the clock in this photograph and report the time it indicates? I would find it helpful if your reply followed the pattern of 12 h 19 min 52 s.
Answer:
10 h 46 min 17 s
